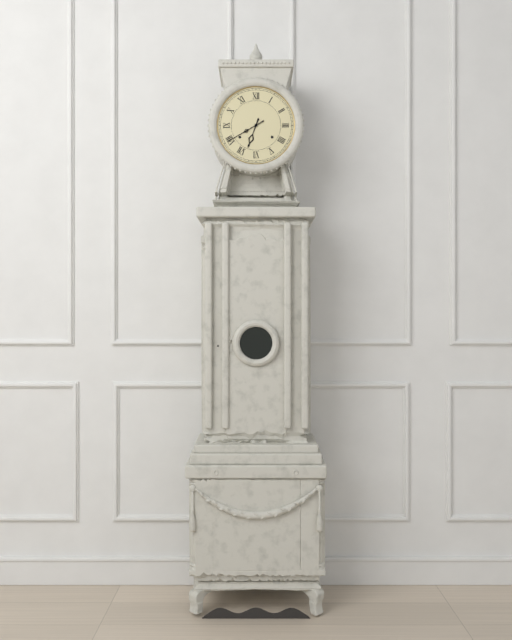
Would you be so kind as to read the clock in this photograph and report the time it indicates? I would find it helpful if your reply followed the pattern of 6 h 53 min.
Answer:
6 h 40 min
